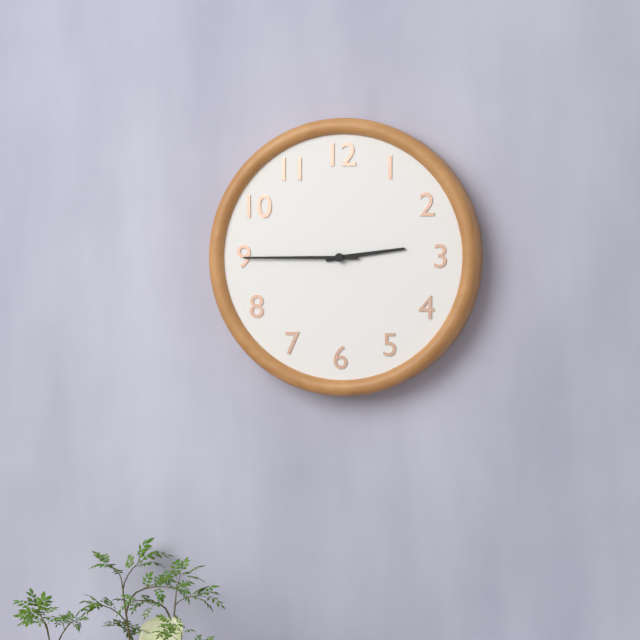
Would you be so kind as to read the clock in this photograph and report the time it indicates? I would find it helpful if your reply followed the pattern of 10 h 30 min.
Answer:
2 h 45 min
